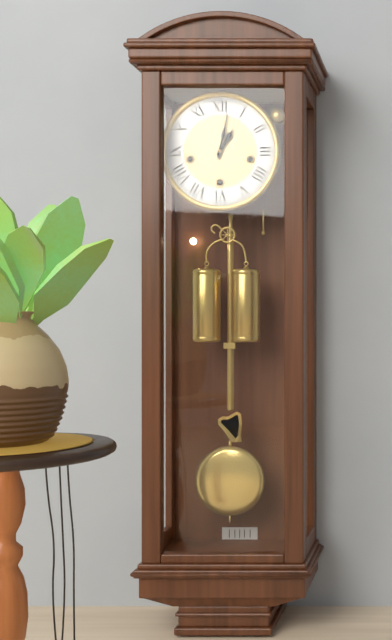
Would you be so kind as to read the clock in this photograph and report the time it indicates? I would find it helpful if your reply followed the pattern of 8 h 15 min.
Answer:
1 h 02 min
